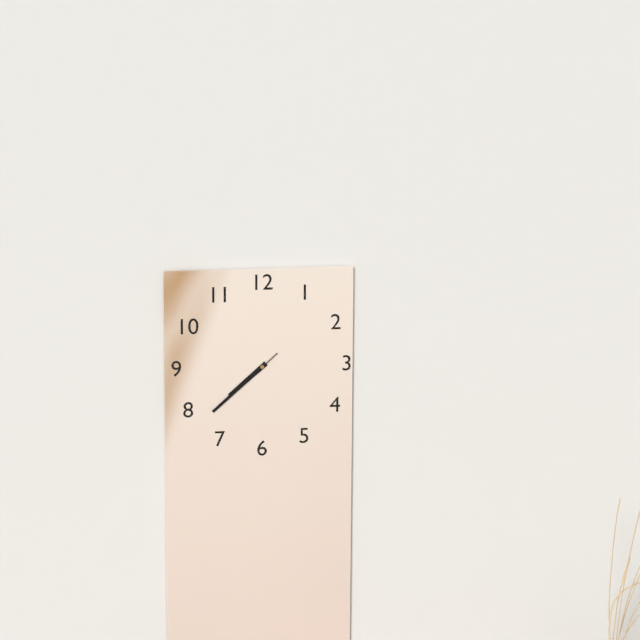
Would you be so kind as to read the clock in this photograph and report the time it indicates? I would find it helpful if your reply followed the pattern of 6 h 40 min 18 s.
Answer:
7 h 38 min 38 s
